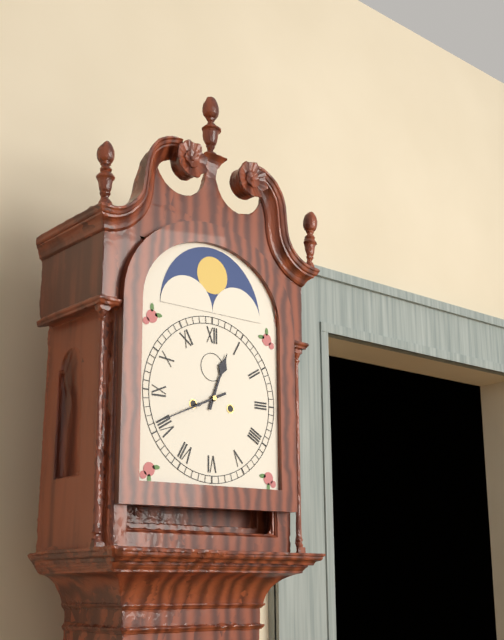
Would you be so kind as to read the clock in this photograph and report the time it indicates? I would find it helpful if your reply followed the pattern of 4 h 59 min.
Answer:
12 h 41 min
